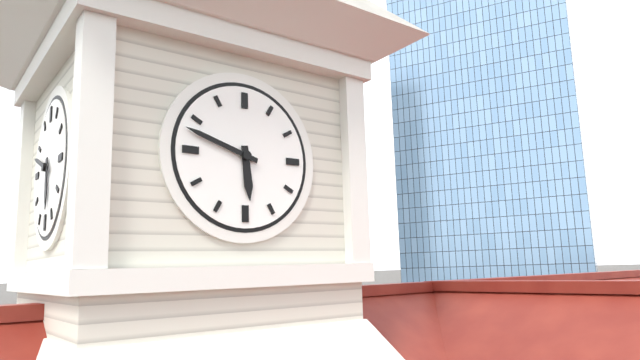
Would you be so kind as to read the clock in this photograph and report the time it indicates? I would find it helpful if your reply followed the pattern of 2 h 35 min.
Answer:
5 h 48 min
